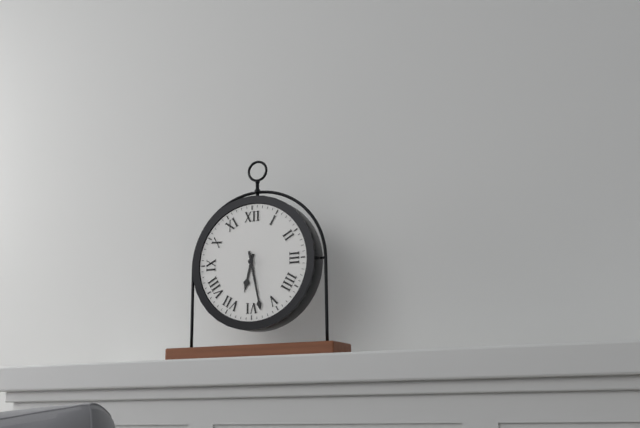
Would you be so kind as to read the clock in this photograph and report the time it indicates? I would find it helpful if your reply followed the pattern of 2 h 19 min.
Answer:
6 h 28 min
